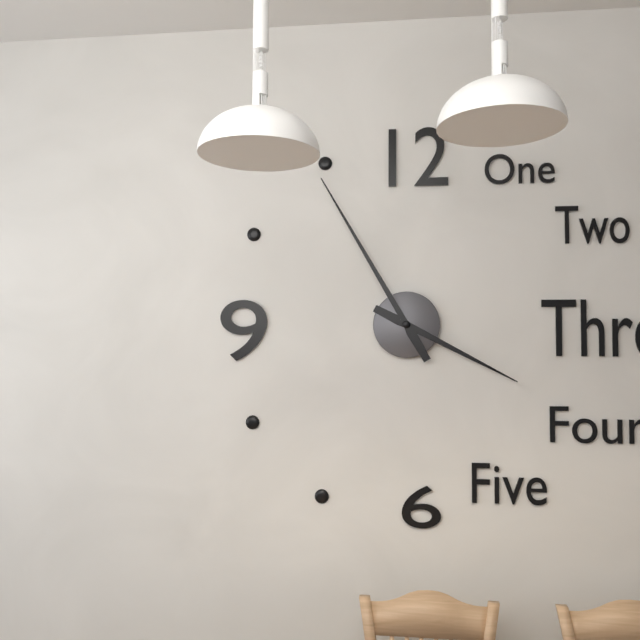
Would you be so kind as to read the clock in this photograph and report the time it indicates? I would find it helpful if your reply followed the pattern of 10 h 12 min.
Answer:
3 h 55 min
